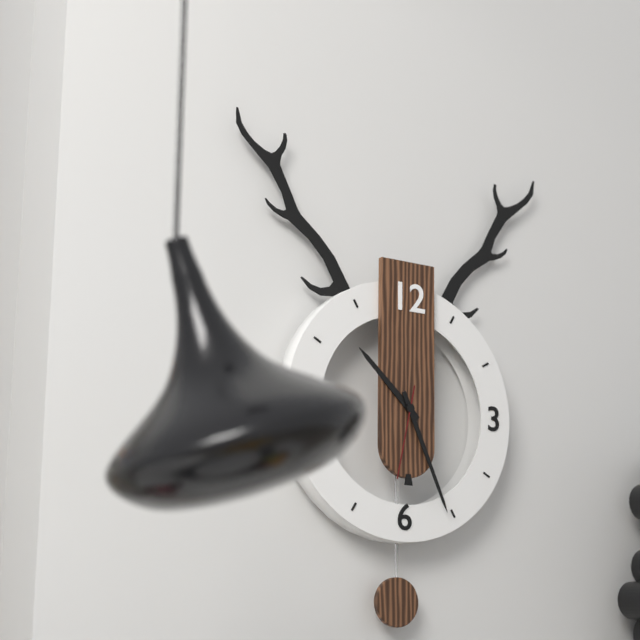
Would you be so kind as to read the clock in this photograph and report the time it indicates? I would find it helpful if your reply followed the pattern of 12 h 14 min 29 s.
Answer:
10 h 26 min 32 s
